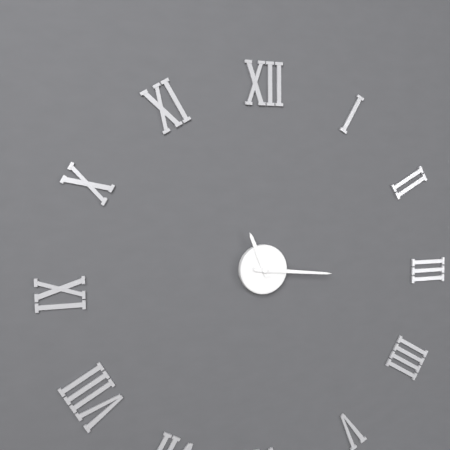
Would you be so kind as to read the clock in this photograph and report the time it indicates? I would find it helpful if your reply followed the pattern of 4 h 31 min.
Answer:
11 h 16 min
